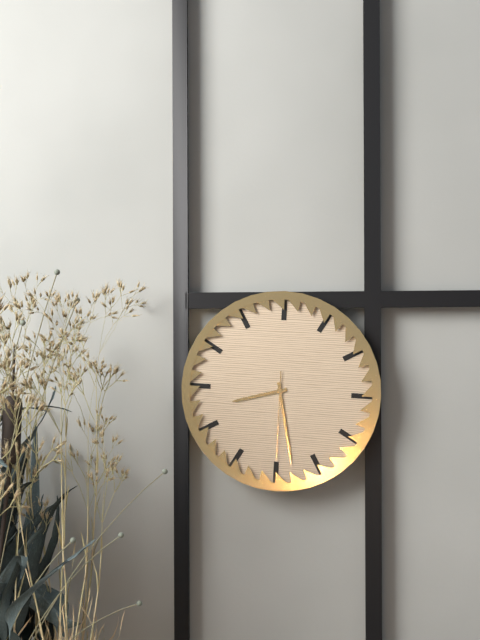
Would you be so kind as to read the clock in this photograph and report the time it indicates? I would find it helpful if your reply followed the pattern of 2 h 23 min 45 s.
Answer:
8 h 28 min 30 s
